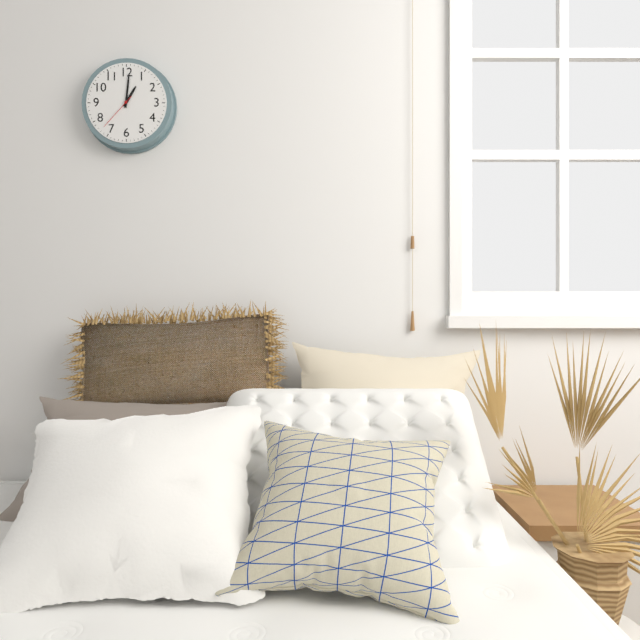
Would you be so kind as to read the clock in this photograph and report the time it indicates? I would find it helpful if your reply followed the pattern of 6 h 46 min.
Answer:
1 h 01 min
